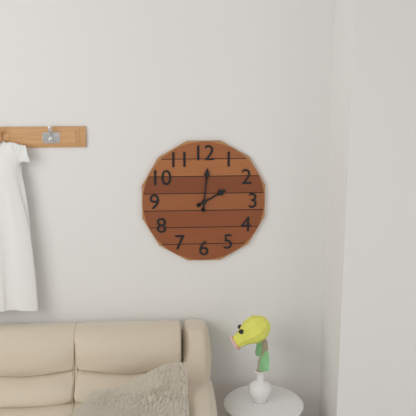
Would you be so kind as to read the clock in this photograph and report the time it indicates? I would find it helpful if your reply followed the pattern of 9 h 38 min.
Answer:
2 h 01 min
